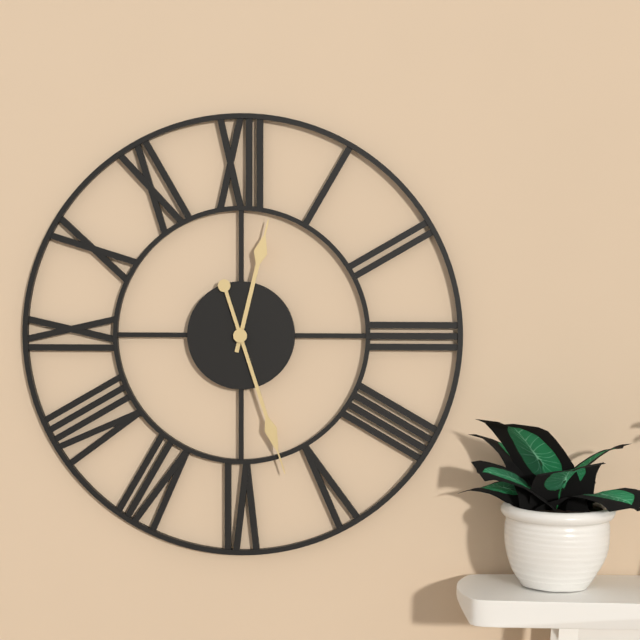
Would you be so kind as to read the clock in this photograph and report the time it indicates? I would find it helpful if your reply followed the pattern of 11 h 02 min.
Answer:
12 h 27 min
